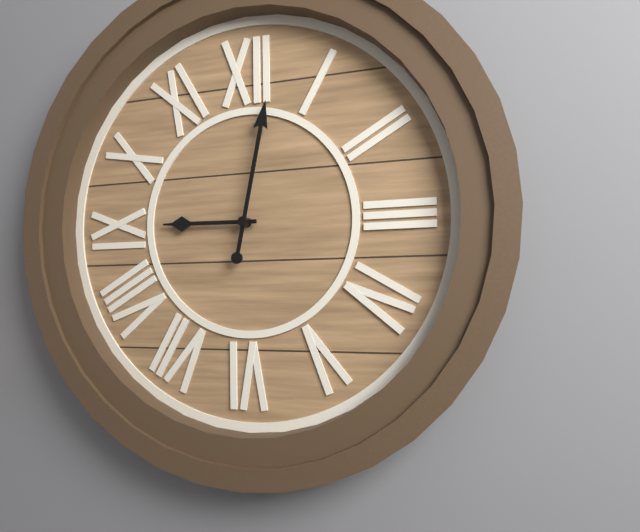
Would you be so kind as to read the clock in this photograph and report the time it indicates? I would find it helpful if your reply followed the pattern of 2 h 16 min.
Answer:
9 h 02 min
